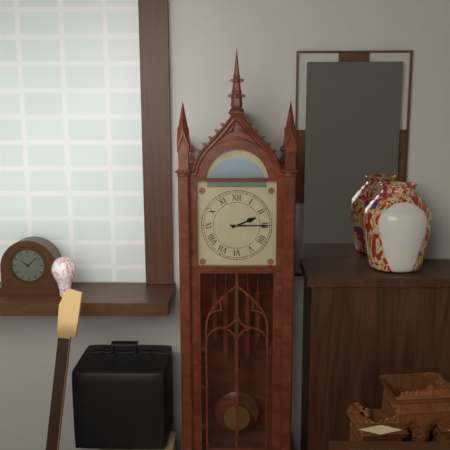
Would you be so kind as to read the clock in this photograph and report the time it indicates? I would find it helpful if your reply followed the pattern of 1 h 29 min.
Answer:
2 h 15 min
